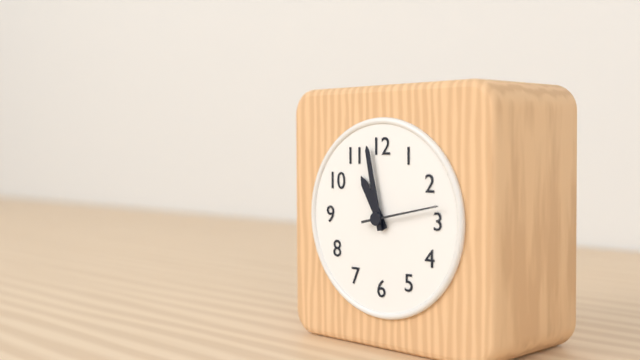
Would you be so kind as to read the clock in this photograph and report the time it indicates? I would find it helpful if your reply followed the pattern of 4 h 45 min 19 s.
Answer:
10 h 58 min 13 s
